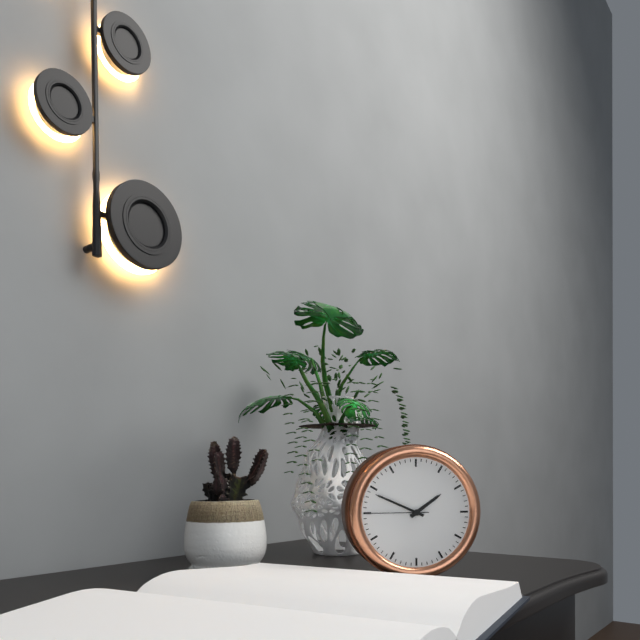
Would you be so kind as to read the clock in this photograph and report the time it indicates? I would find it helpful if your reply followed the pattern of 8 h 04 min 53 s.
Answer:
1 h 49 min 45 s
